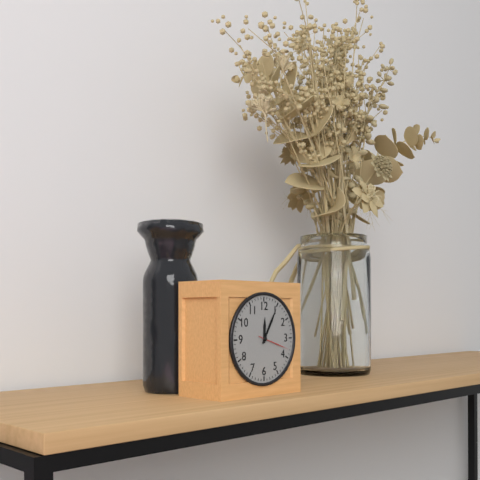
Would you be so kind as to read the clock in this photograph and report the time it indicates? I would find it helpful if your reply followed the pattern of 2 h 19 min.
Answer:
12 h 05 min
